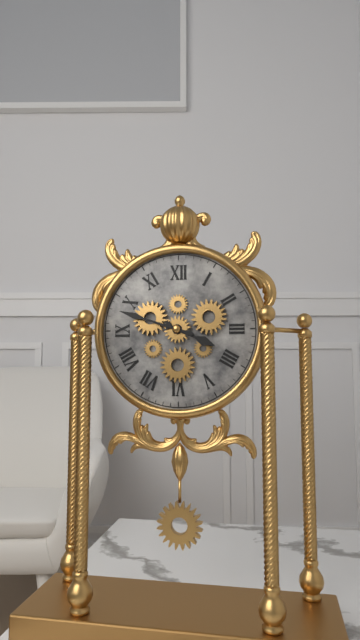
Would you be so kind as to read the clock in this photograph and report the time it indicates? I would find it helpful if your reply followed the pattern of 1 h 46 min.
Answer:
3 h 48 min
